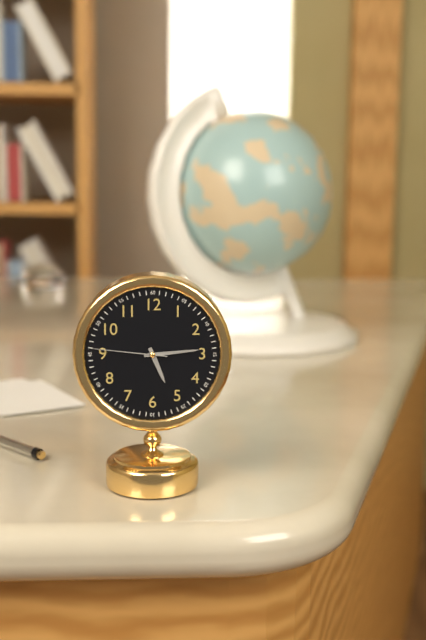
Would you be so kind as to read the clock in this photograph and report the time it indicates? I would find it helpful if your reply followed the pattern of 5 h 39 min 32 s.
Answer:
5 h 14 min 46 s
